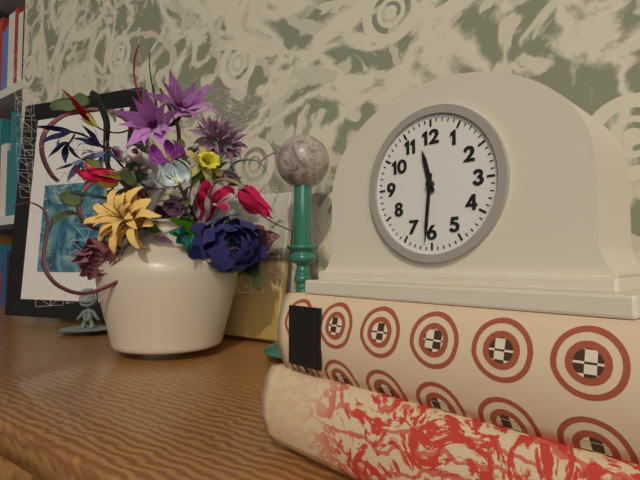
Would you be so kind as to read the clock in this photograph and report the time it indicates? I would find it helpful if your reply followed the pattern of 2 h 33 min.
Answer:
11 h 31 min
